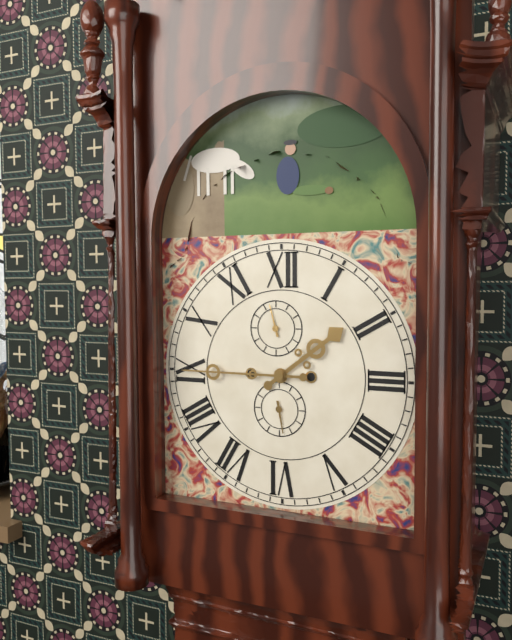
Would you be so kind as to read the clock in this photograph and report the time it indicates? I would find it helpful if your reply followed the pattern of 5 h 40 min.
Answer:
1 h 45 min
